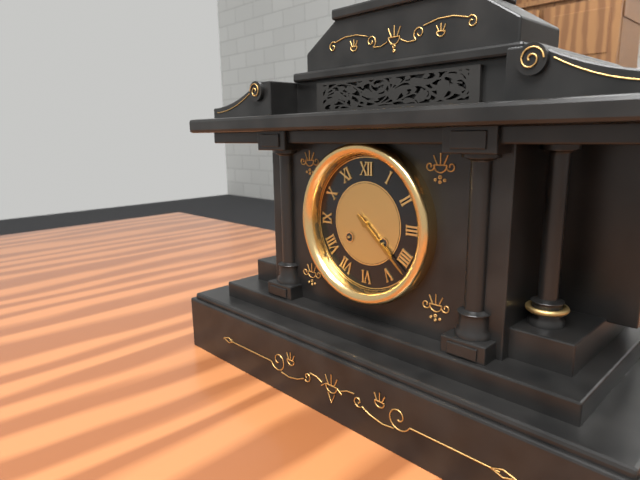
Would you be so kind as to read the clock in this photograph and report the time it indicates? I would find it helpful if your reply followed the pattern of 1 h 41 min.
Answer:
4 h 22 min
